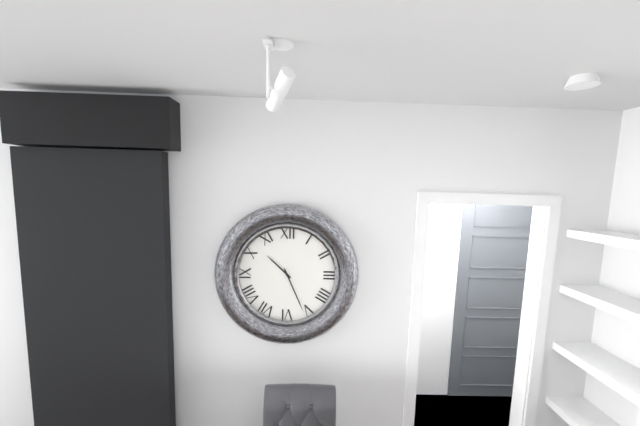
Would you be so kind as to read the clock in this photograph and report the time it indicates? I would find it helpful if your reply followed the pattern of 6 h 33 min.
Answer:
10 h 26 min
